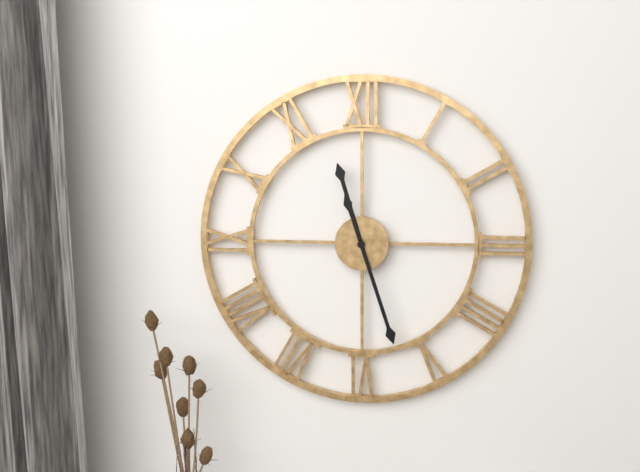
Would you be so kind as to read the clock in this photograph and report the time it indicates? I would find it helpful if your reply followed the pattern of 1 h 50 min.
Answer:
11 h 27 min
